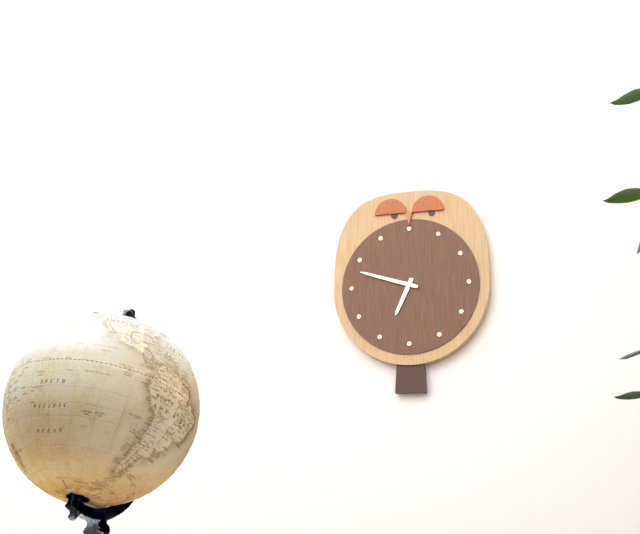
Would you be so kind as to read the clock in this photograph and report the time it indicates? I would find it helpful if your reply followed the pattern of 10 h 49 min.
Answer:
6 h 48 min
